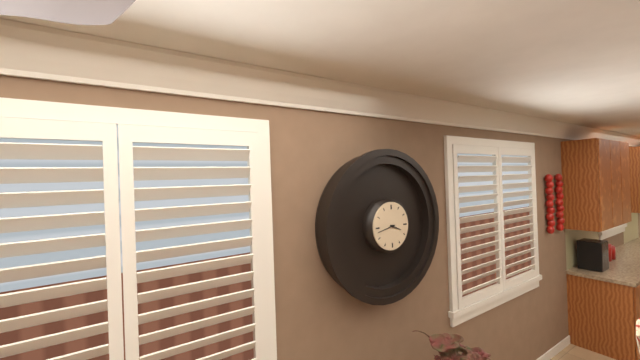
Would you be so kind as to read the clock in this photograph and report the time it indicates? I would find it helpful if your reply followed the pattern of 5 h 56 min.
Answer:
3 h 43 min
